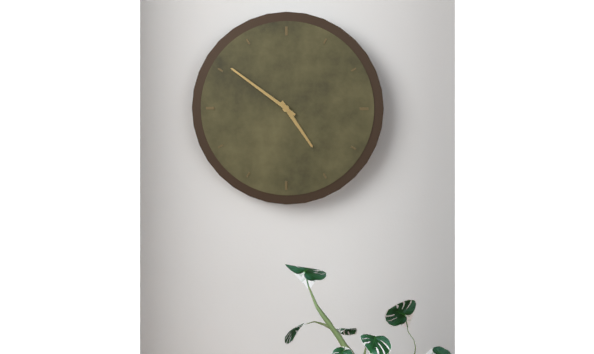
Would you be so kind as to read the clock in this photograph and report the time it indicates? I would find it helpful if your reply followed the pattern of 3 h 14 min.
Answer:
4 h 51 min
